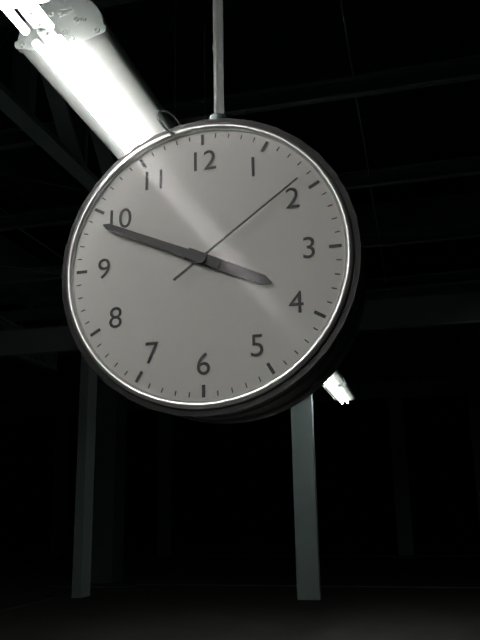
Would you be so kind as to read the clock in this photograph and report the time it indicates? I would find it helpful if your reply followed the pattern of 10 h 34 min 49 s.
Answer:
3 h 49 min 09 s
